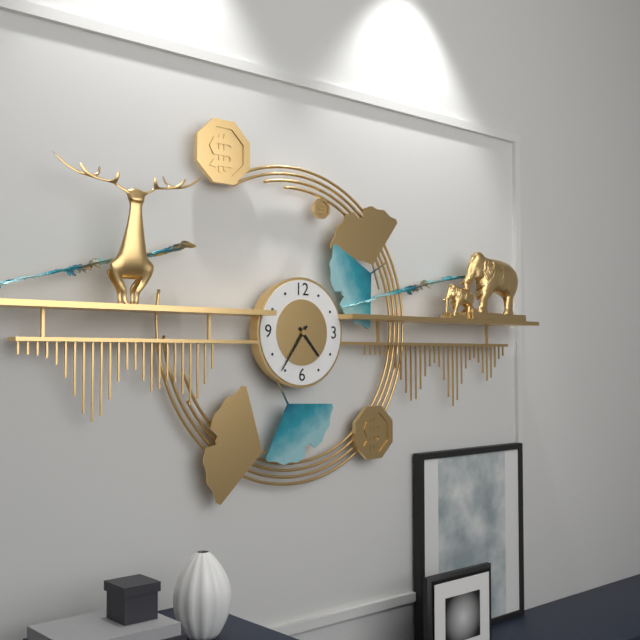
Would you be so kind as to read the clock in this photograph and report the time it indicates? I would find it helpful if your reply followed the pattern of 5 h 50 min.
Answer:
4 h 36 min
